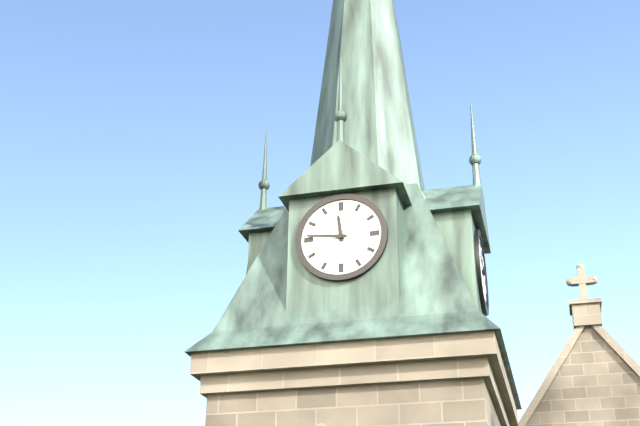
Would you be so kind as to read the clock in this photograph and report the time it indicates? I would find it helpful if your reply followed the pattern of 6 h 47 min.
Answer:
11 h 46 min
